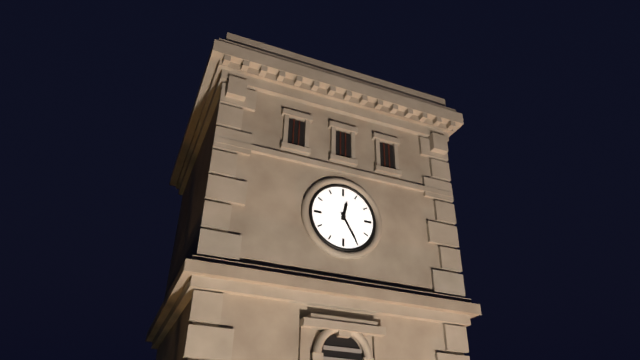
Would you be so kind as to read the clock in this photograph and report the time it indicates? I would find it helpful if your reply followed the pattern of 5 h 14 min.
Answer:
12 h 25 min
